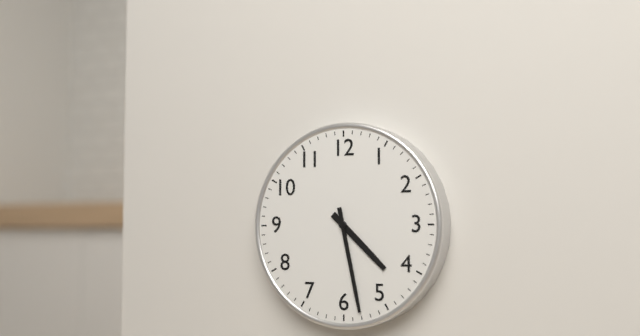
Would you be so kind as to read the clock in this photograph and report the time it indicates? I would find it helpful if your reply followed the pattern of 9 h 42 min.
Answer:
4 h 28 min
